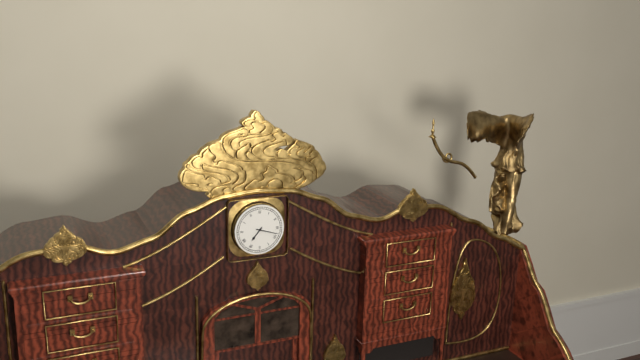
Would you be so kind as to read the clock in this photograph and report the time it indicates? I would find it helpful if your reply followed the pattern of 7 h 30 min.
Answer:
7 h 18 min
